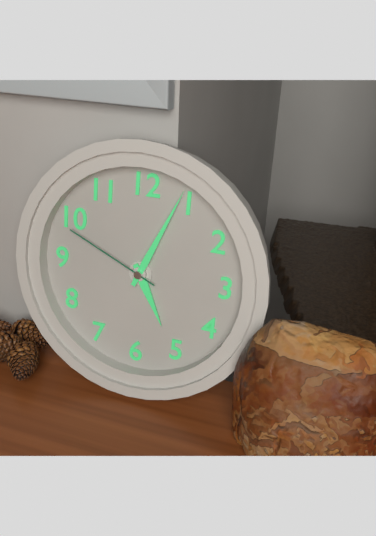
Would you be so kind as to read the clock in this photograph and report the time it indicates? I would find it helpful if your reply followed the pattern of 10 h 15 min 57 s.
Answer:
5 h 04 min 49 s
